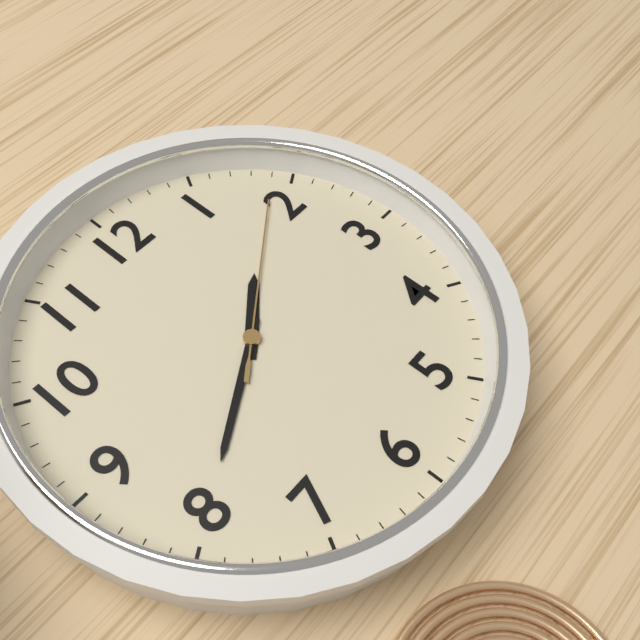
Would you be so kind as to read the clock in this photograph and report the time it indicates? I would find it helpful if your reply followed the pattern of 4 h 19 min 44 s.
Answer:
1 h 40 min 09 s
